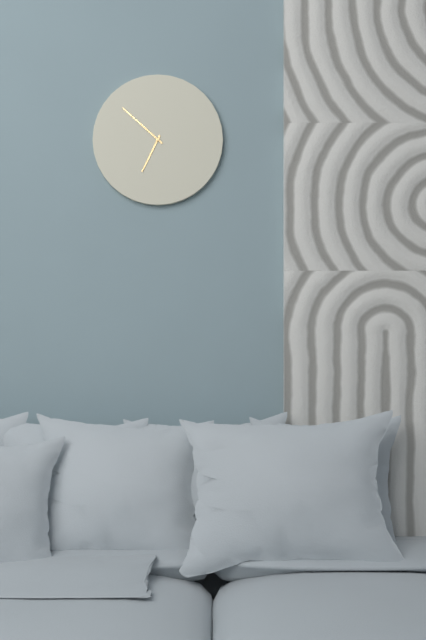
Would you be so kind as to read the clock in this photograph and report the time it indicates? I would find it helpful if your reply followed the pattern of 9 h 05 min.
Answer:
6 h 52 min
